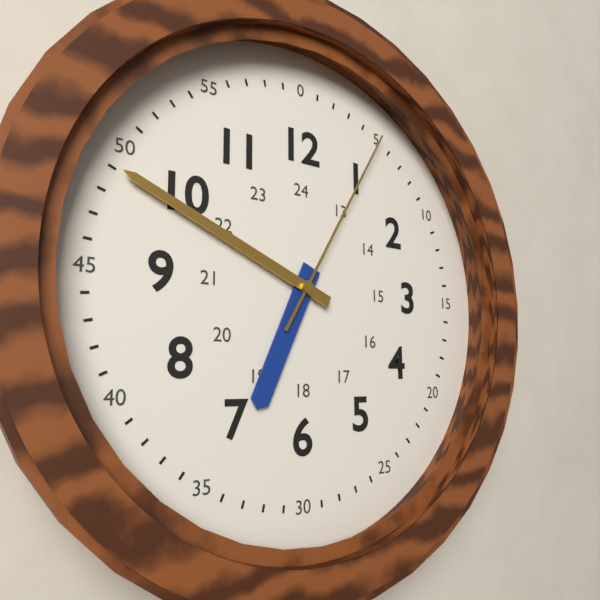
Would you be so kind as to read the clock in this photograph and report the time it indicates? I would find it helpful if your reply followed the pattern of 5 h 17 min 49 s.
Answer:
6 h 49 min 05 s
